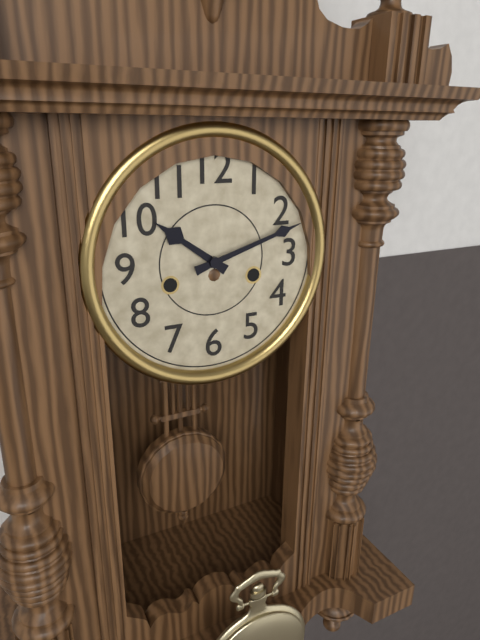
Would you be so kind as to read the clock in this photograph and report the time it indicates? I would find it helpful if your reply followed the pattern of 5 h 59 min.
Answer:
10 h 12 min
